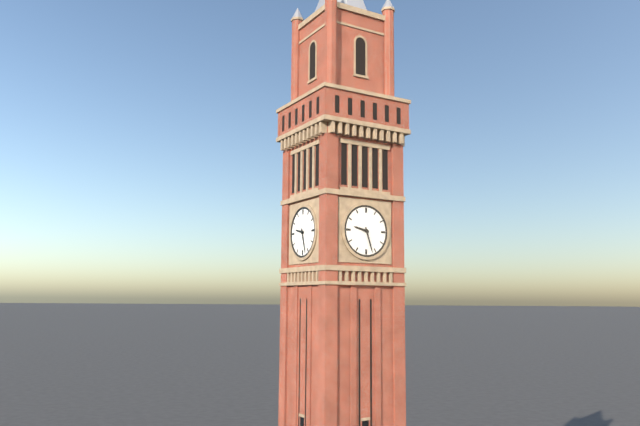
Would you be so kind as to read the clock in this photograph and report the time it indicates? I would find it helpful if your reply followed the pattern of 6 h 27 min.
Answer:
9 h 27 min
